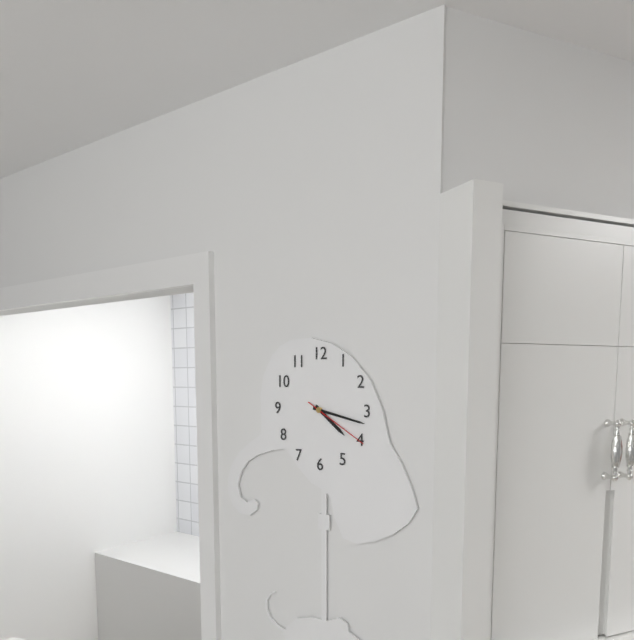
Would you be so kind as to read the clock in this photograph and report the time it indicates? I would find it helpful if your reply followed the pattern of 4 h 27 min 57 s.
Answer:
4 h 17 min 20 s
